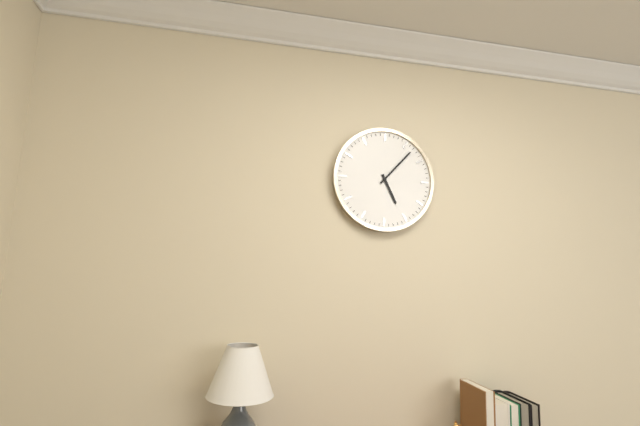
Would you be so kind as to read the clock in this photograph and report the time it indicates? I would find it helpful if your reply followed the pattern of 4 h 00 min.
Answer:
5 h 07 min
